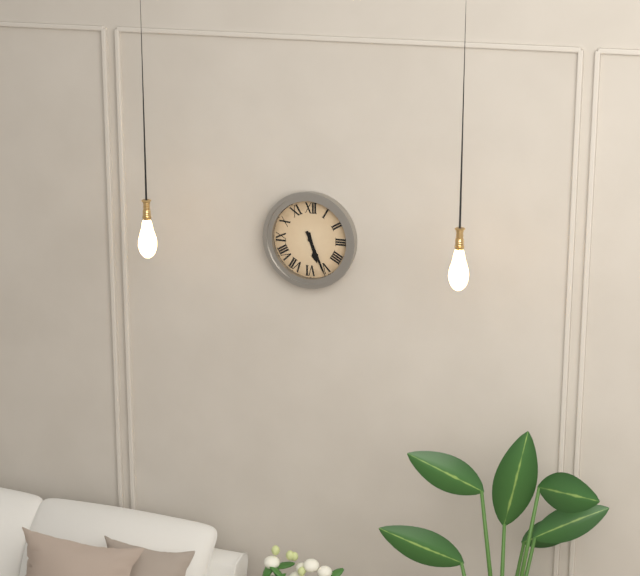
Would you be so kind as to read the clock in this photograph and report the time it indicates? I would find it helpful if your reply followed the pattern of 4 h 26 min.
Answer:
5 h 26 min
